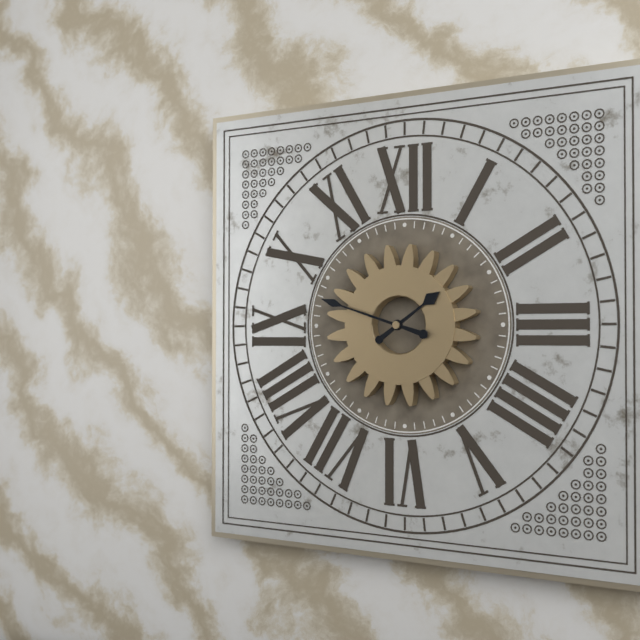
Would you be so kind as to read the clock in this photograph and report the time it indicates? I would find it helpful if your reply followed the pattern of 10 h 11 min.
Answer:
1 h 48 min
